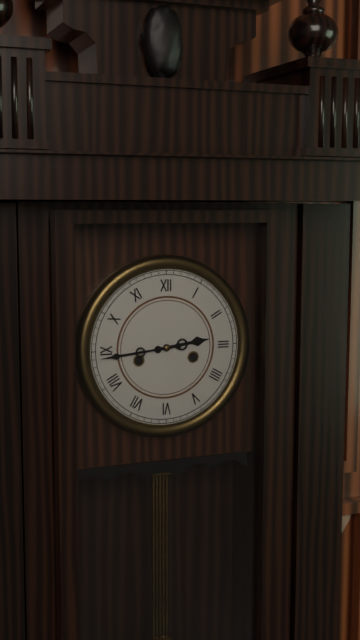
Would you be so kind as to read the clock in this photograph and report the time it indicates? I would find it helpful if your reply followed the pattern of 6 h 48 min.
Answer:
2 h 44 min
